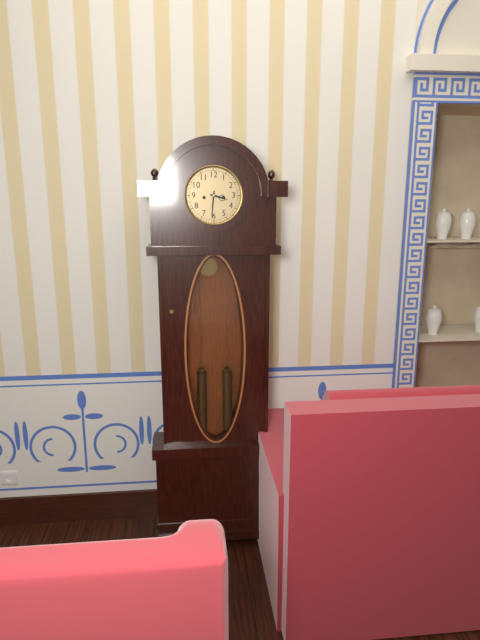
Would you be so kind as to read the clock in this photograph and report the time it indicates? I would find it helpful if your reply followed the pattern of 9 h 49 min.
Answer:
3 h 31 min
